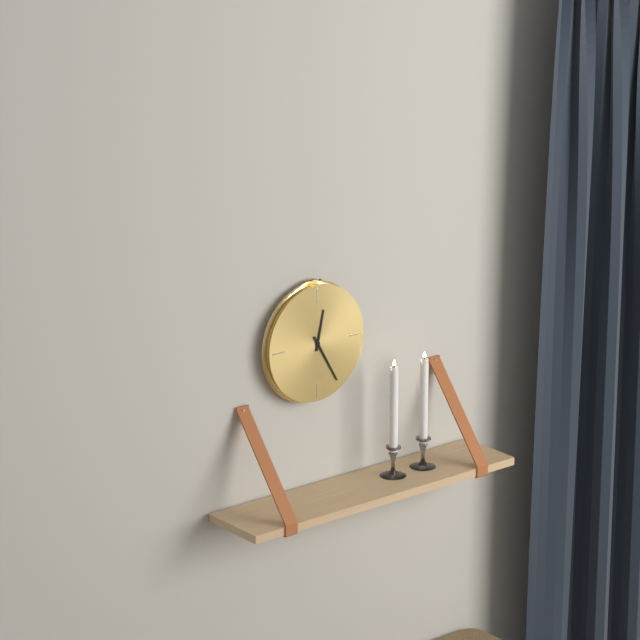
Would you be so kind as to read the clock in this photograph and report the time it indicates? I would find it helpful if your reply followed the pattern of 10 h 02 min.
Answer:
12 h 25 min
